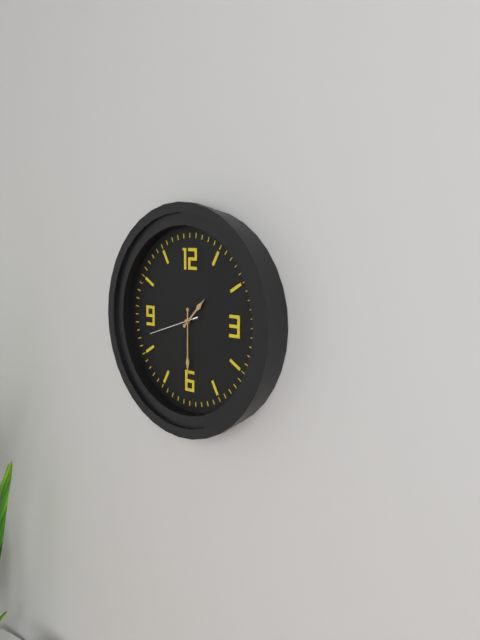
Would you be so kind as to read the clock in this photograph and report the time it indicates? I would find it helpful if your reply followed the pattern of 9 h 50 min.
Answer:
1 h 30 min
